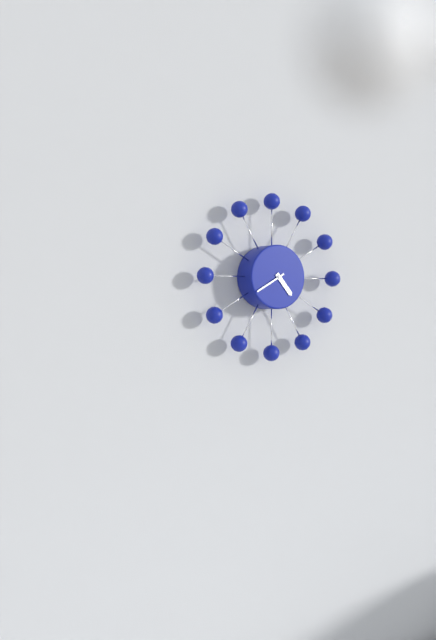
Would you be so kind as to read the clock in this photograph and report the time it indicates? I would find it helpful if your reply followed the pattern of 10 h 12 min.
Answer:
4 h 40 min
